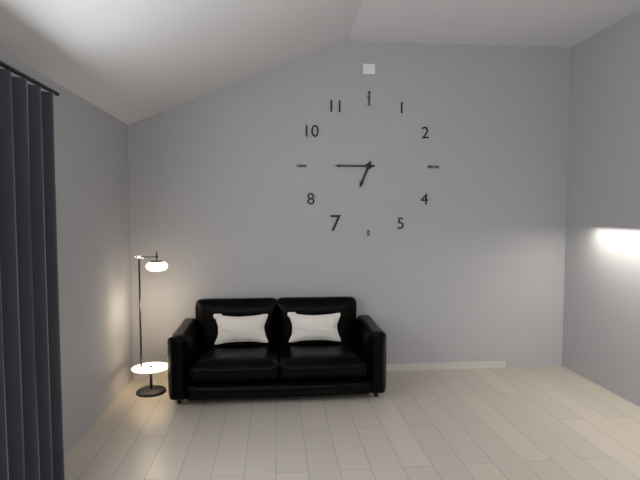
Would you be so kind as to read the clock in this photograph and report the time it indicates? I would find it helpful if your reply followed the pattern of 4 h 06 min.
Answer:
6 h 45 min
